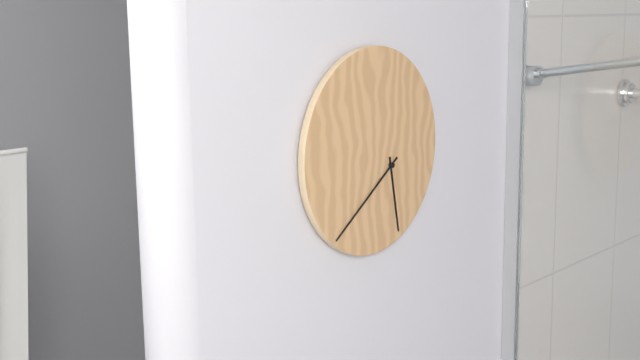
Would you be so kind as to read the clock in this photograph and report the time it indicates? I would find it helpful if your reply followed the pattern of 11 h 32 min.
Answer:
5 h 39 min
